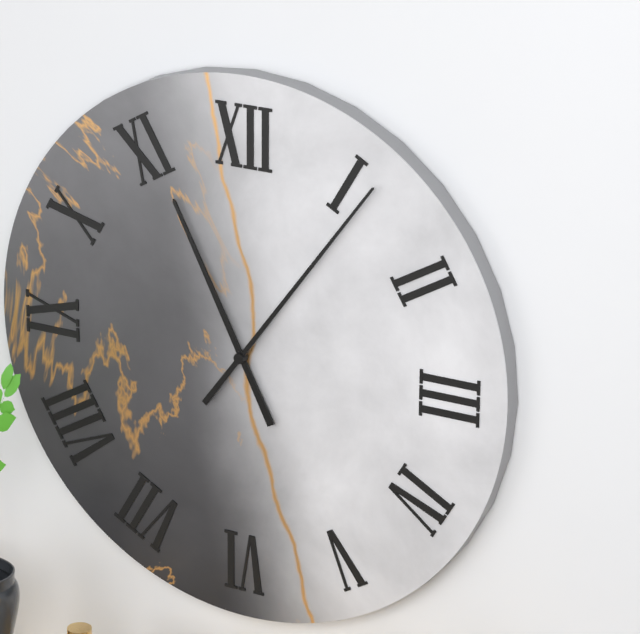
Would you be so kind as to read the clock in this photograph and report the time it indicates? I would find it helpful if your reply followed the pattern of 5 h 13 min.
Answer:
11 h 06 min
